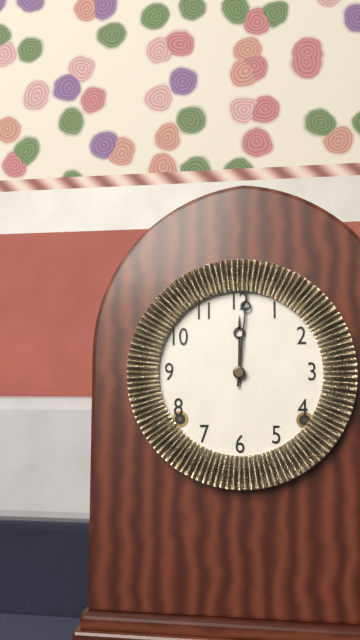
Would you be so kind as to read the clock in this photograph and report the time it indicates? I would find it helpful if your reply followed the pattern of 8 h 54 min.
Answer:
12 h 01 min
